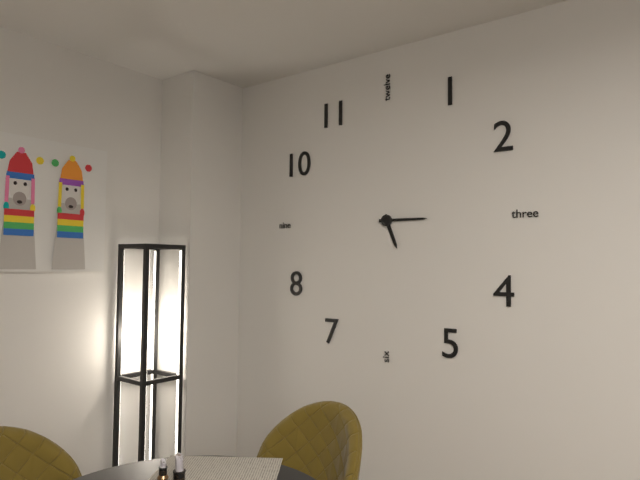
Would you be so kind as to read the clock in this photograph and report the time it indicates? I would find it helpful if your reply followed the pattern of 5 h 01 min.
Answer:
5 h 15 min
